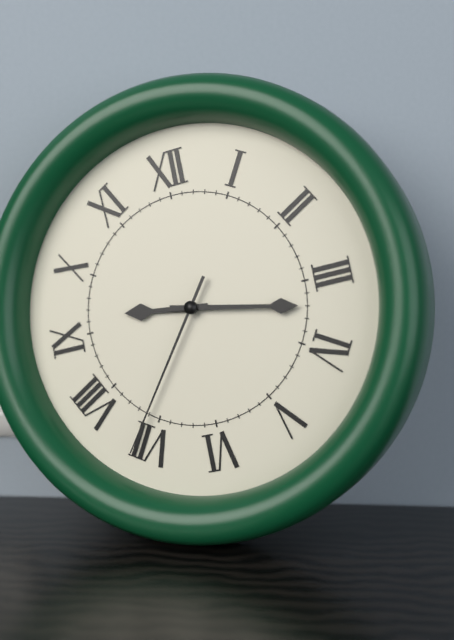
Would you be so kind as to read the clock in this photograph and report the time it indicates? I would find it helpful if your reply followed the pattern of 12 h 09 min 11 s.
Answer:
9 h 17 min 36 s
